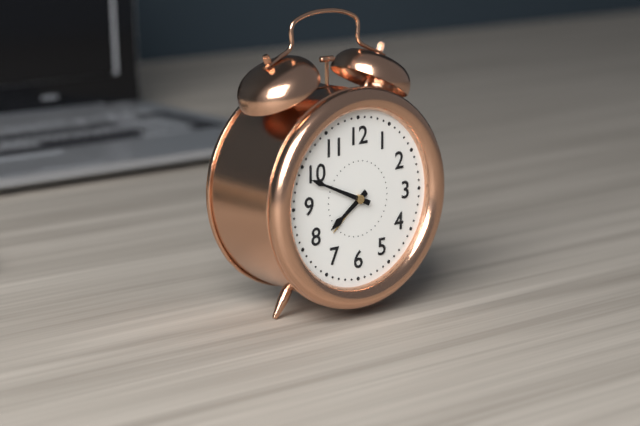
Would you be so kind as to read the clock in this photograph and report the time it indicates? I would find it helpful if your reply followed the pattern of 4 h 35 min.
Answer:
7 h 49 min
